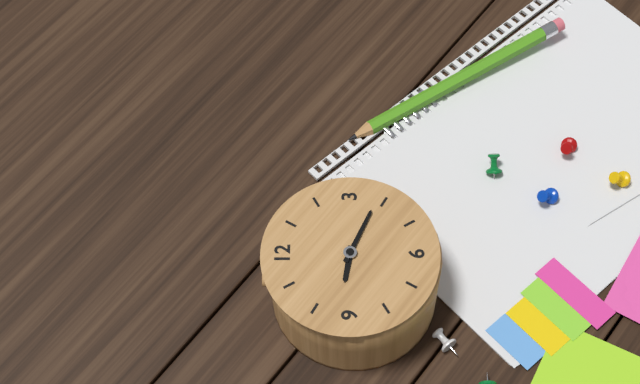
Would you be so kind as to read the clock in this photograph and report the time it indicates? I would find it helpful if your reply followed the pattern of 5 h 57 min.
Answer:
9 h 19 min
